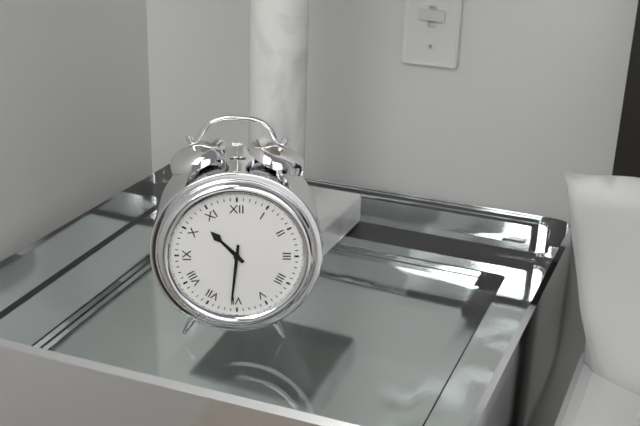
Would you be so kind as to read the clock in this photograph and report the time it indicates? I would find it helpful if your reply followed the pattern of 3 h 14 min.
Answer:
10 h 31 min
